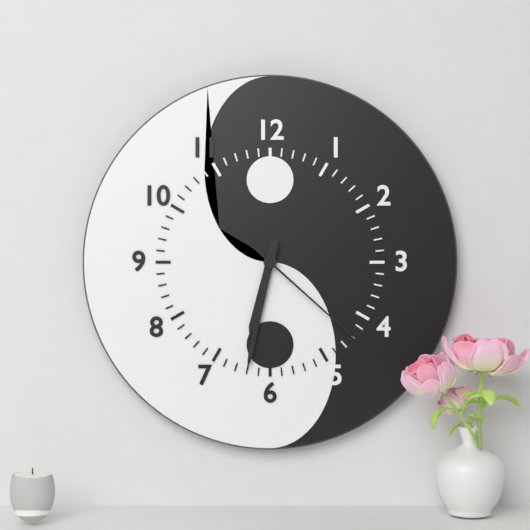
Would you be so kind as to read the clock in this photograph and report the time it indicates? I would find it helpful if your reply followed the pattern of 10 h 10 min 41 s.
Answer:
6 h 32 min 22 s
